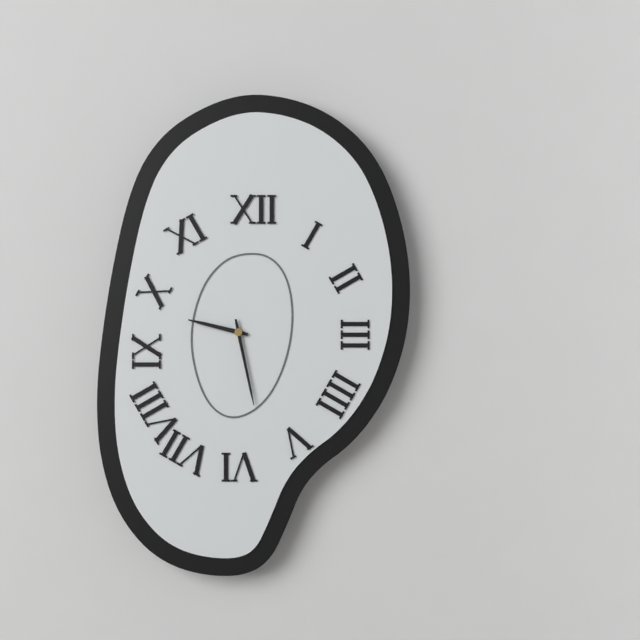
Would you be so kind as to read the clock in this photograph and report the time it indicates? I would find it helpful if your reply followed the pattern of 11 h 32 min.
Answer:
9 h 28 min
